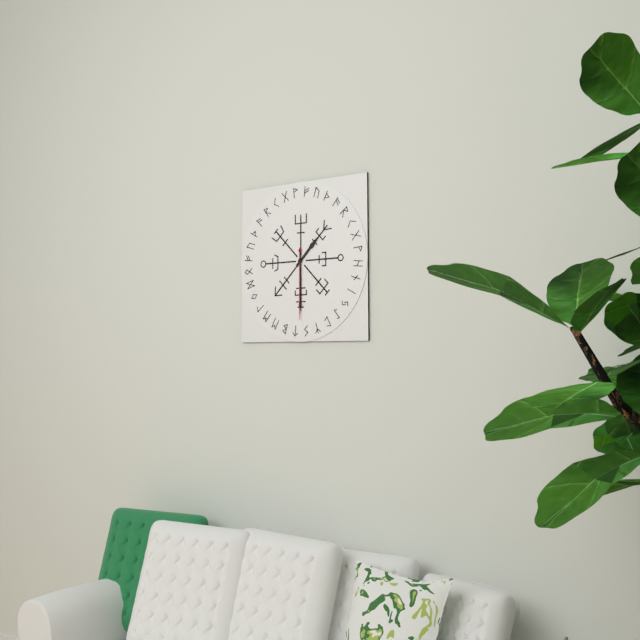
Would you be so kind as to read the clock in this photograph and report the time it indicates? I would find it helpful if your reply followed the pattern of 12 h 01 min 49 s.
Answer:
1 h 30 min 30 s
